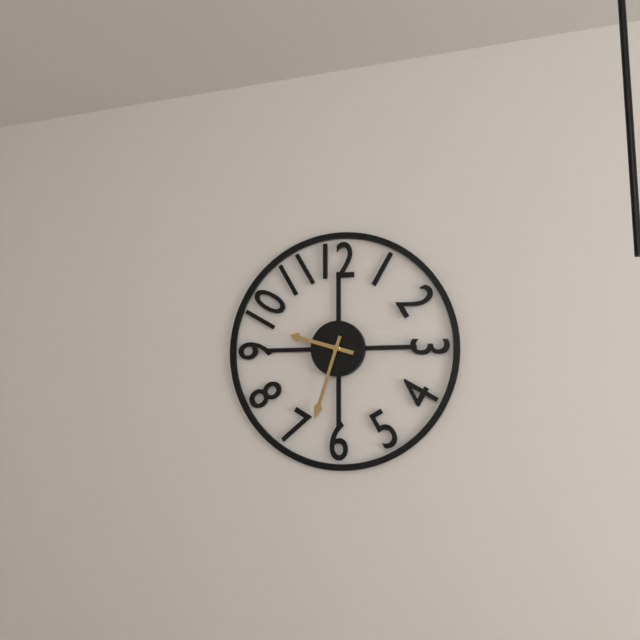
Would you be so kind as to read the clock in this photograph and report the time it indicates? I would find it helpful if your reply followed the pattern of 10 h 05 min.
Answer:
9 h 33 min
